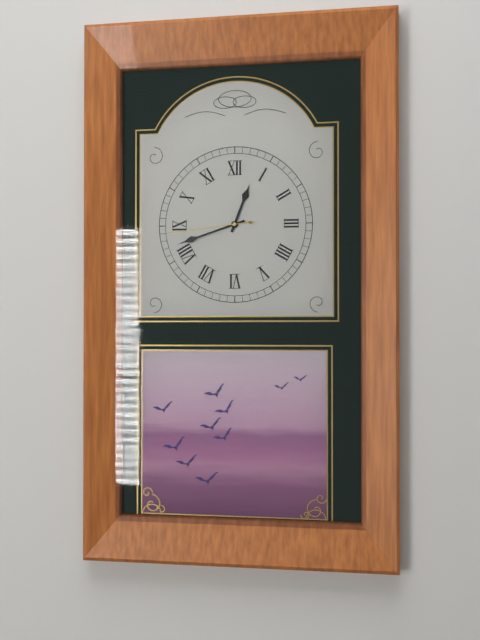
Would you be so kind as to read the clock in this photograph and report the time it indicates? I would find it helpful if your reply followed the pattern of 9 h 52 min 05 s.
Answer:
12 h 42 min 44 s
